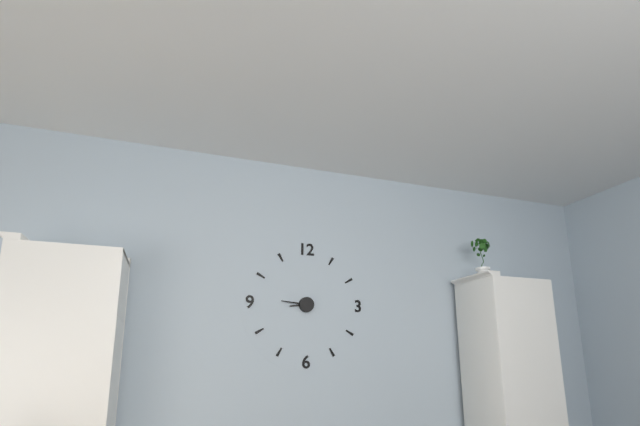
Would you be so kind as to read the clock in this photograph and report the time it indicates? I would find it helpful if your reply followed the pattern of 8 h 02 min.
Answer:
8 h 46 min
